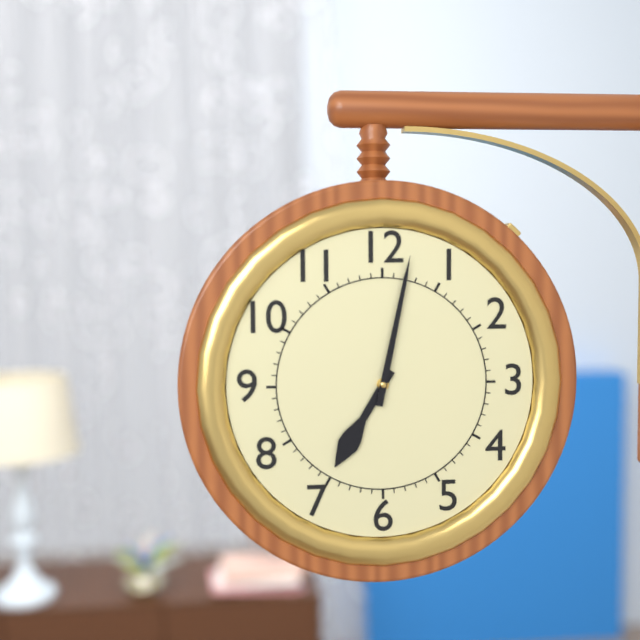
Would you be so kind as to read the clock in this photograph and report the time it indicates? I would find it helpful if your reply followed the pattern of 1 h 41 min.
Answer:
7 h 02 min
